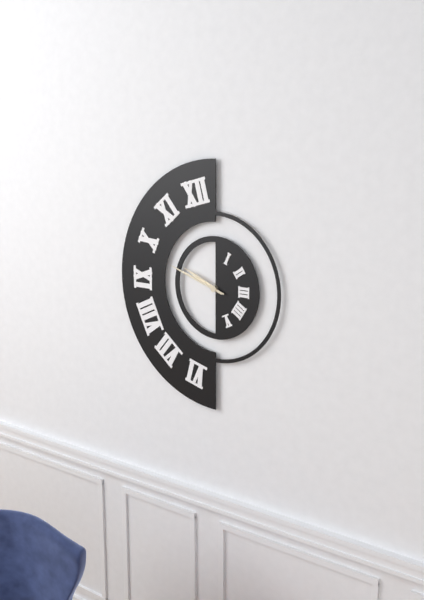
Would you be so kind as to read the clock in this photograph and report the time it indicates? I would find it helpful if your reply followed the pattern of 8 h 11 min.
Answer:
9 h 48 min
